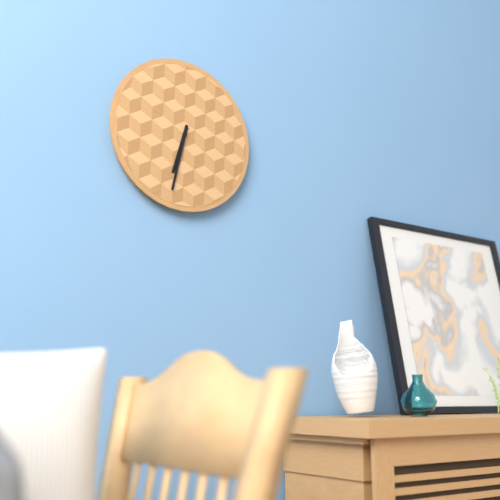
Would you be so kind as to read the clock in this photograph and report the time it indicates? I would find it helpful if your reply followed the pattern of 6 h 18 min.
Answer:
6 h 32 min
